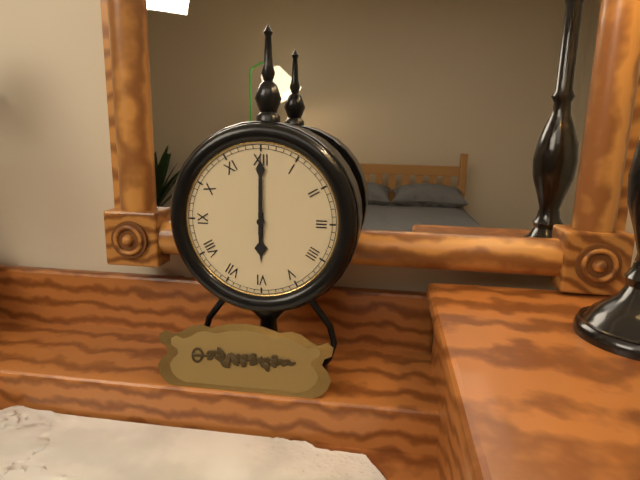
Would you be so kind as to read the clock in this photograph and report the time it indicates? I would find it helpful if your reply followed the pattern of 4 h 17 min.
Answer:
6 h 00 min
